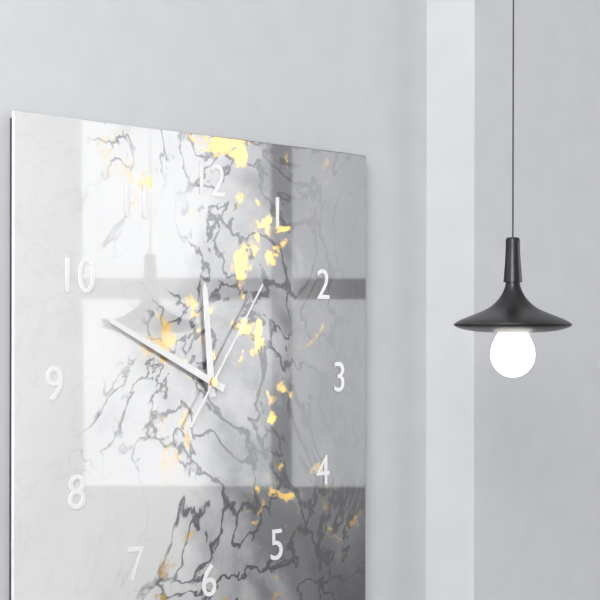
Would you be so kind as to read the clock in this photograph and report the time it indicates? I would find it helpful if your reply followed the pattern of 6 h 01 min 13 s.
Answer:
11 h 49 min 06 s
